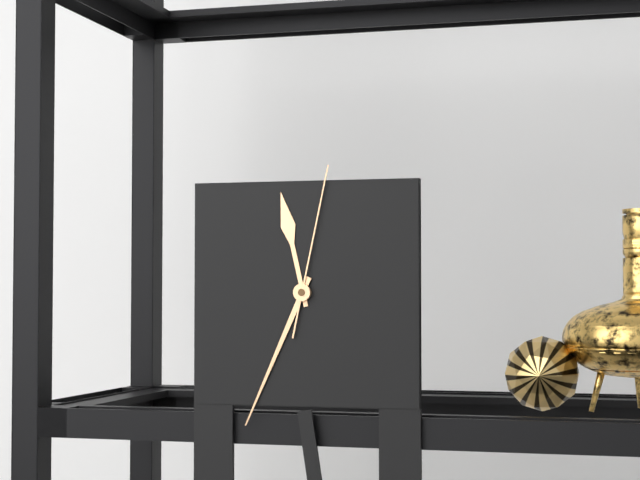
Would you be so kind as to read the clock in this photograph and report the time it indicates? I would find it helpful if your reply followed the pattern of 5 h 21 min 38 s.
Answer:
11 h 34 min 02 s
